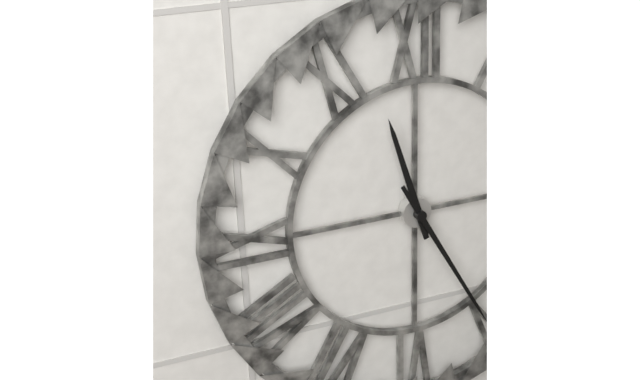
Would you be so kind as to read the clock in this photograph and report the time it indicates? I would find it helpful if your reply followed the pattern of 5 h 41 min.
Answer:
11 h 25 min
